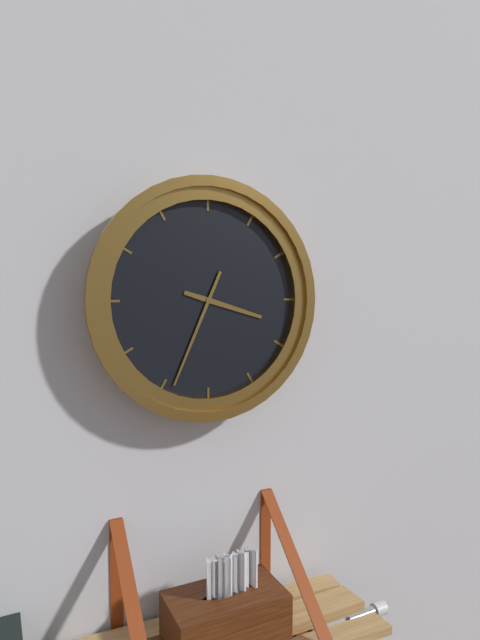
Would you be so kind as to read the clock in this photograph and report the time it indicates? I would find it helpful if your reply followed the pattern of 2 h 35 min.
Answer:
3 h 34 min
